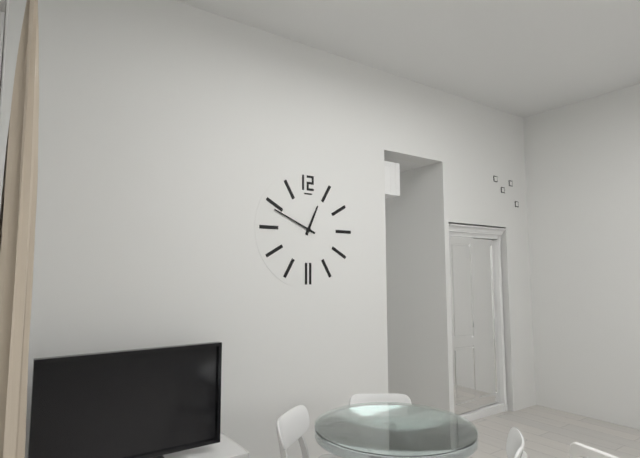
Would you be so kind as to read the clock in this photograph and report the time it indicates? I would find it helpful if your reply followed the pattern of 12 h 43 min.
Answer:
12 h 49 min
